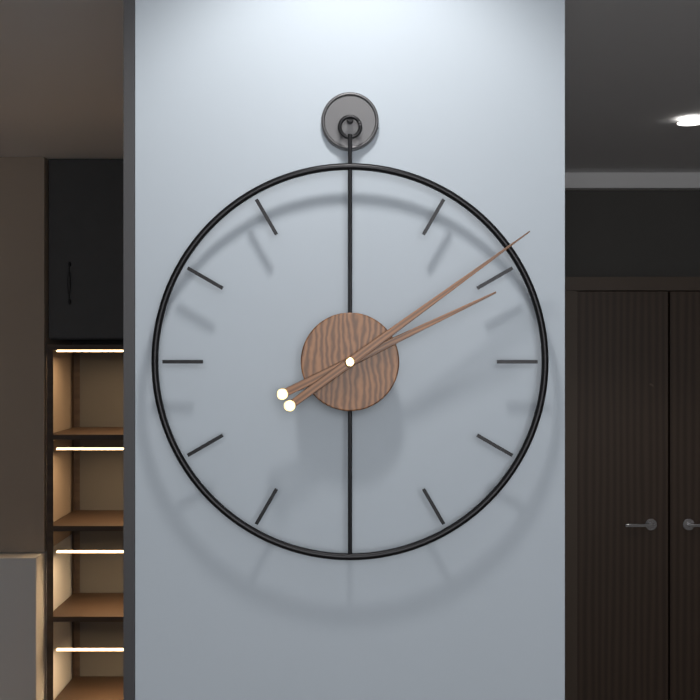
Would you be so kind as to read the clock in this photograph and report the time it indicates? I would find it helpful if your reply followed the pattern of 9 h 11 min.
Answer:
2 h 09 min
